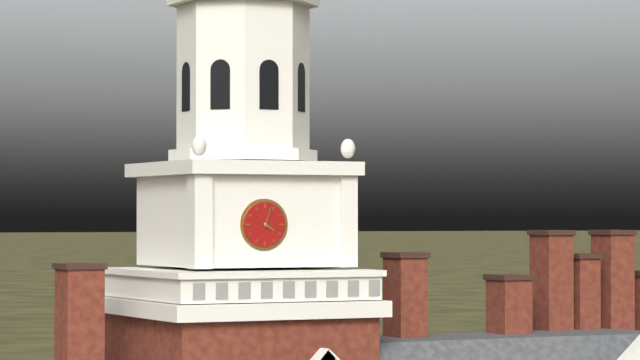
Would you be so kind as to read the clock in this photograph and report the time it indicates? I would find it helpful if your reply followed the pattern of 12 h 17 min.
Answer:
4 h 03 min
